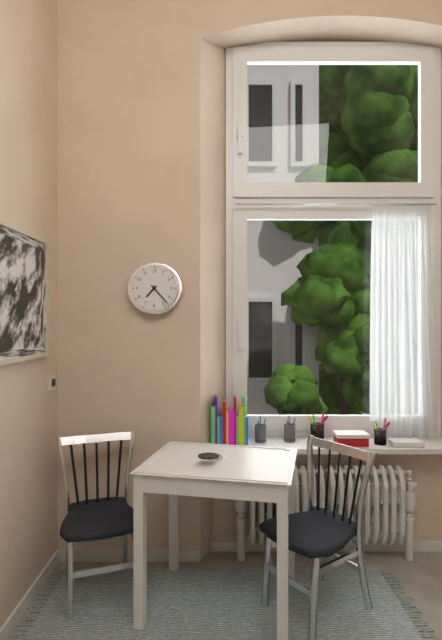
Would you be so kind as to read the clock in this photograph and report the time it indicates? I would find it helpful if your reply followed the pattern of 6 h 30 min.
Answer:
7 h 23 min
